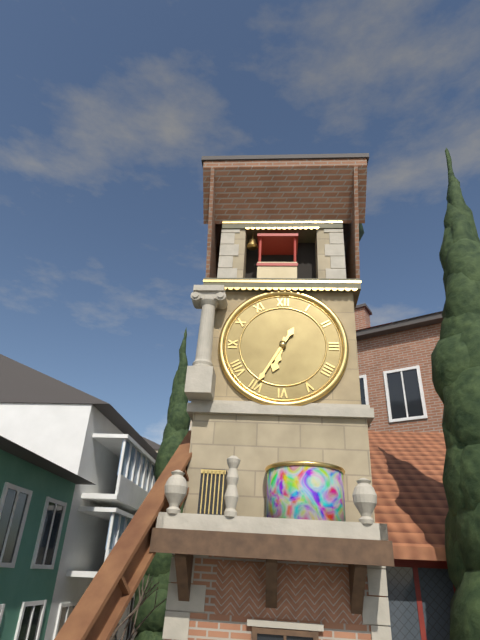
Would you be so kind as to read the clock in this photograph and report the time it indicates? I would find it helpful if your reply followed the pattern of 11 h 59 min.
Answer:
6 h 35 min
